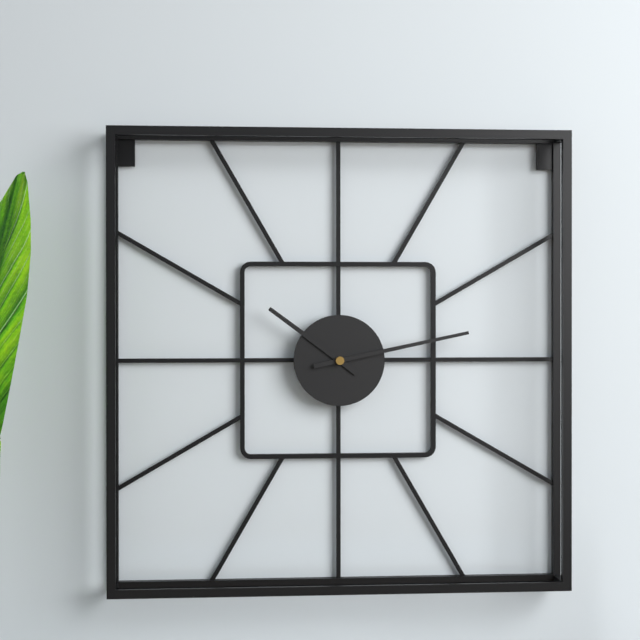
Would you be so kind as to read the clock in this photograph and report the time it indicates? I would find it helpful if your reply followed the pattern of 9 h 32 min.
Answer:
10 h 13 min
